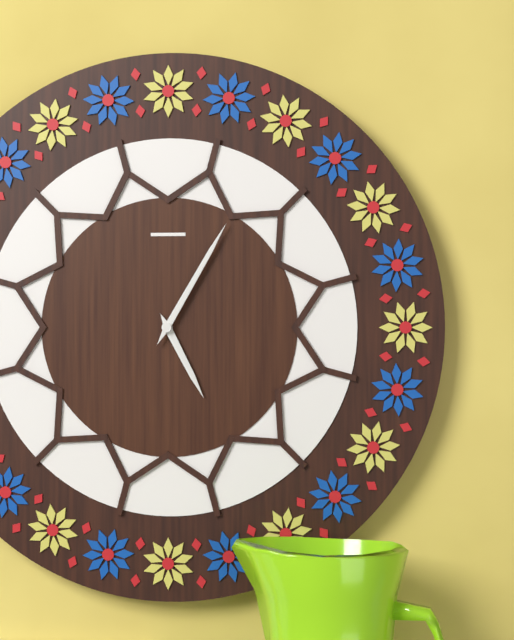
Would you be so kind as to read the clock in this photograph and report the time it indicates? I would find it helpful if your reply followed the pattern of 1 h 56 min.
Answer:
5 h 05 min
